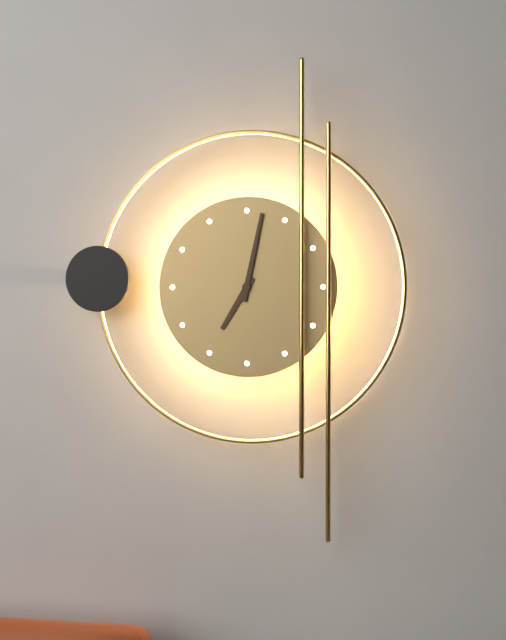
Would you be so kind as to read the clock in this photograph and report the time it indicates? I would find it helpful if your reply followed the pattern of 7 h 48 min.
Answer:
7 h 02 min
